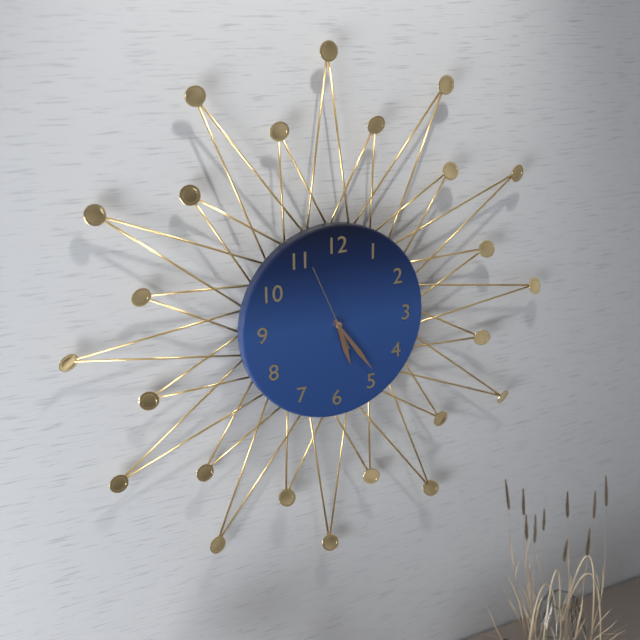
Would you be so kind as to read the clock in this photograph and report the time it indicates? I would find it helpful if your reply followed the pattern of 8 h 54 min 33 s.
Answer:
5 h 24 min 56 s
